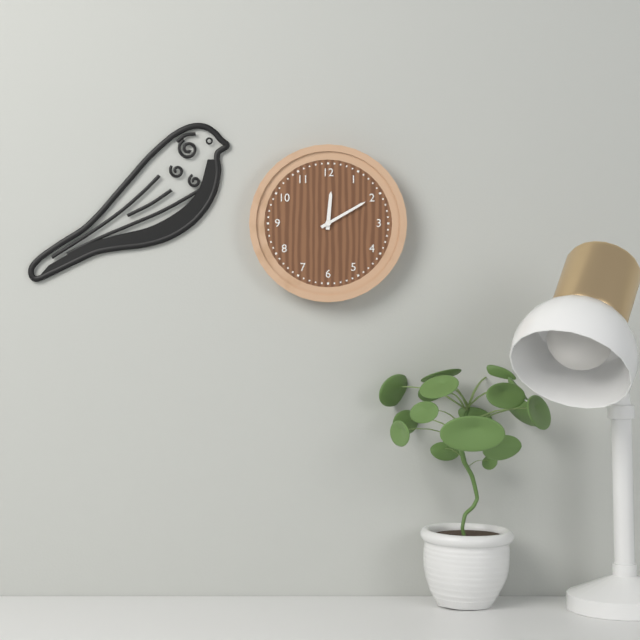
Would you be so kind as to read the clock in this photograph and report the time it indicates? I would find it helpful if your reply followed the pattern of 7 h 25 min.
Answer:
12 h 10 min
